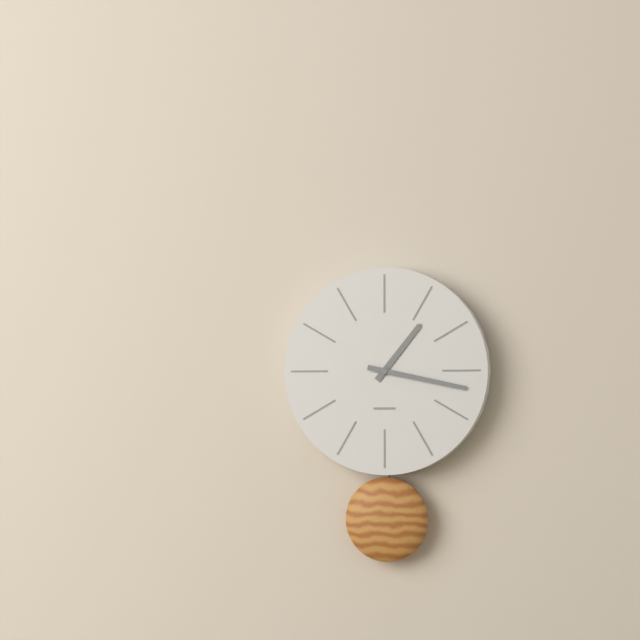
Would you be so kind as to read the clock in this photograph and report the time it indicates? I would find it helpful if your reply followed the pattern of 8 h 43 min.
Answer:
1 h 17 min
